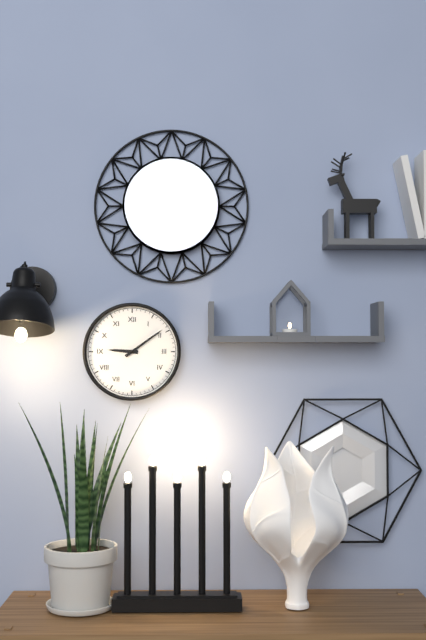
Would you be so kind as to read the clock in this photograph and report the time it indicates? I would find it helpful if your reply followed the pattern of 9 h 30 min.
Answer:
9 h 09 min
